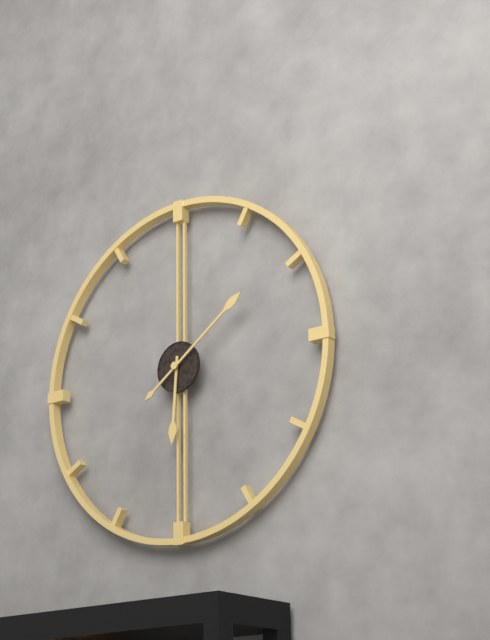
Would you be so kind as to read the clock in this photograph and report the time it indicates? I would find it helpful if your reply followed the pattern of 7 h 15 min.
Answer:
6 h 09 min
